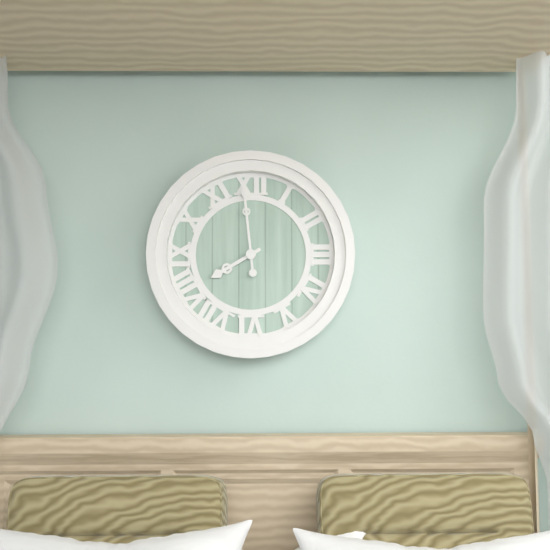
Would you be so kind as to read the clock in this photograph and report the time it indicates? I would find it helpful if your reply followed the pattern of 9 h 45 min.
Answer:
7 h 59 min
